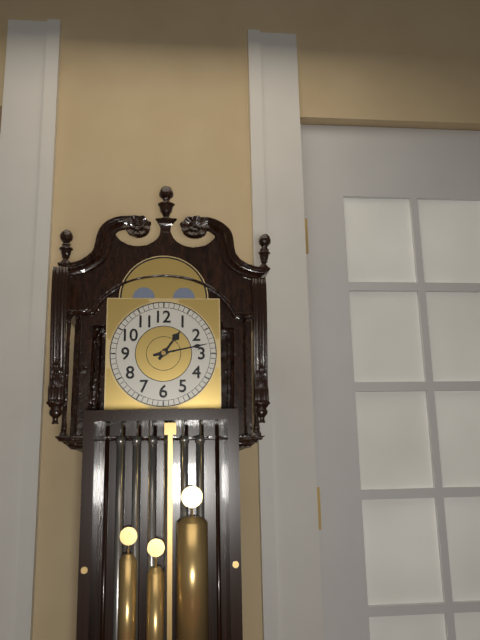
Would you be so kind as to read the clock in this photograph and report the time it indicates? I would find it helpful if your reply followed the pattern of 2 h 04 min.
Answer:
1 h 13 min
